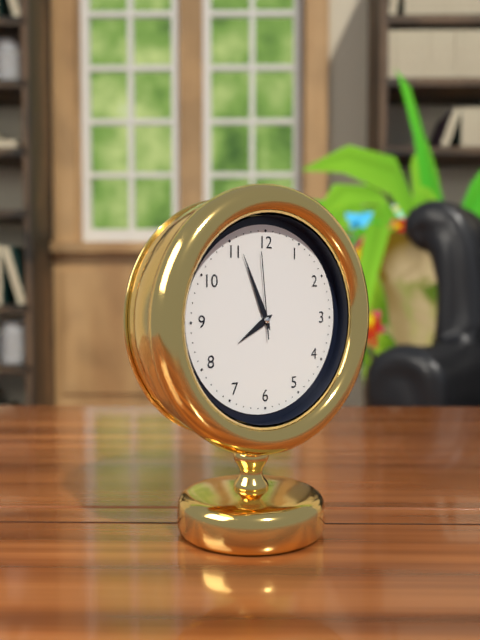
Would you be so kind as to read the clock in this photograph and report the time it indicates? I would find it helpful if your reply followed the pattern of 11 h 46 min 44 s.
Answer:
7 h 56 min 59 s
